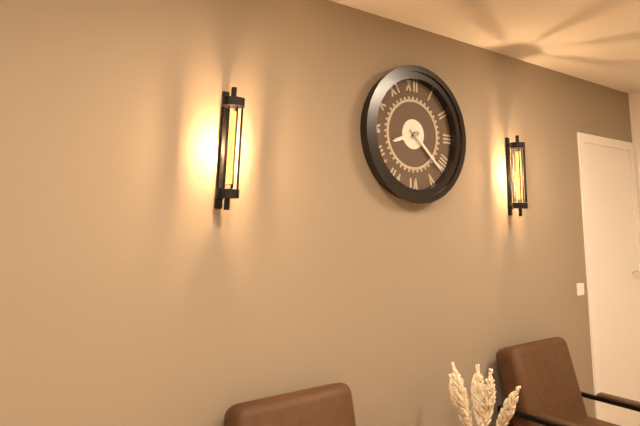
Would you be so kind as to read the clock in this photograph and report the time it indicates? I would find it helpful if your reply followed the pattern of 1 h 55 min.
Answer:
8 h 22 min
